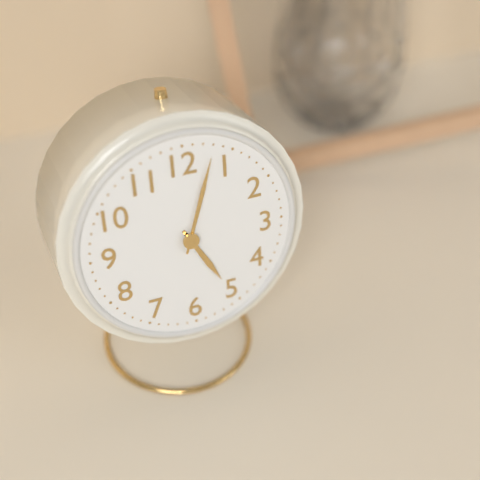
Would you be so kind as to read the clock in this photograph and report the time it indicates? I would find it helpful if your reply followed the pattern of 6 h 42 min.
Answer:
5 h 03 min
